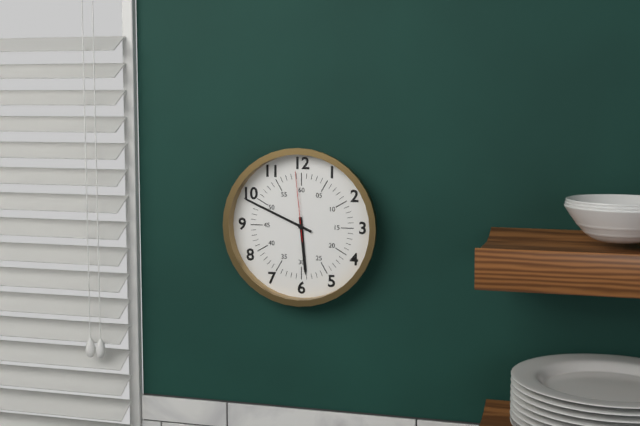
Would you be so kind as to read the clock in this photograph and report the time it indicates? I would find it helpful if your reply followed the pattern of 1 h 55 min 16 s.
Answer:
5 h 49 min 59 s
